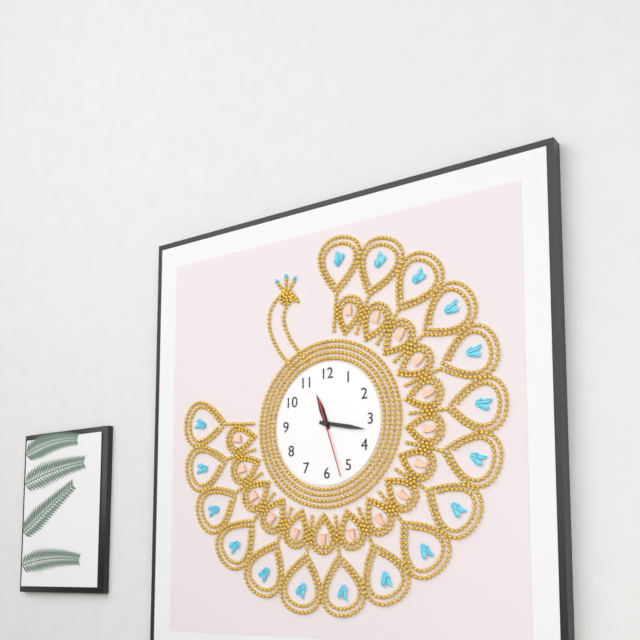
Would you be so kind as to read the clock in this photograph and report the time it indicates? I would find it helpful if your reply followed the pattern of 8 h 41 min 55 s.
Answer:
11 h 17 min 27 s
